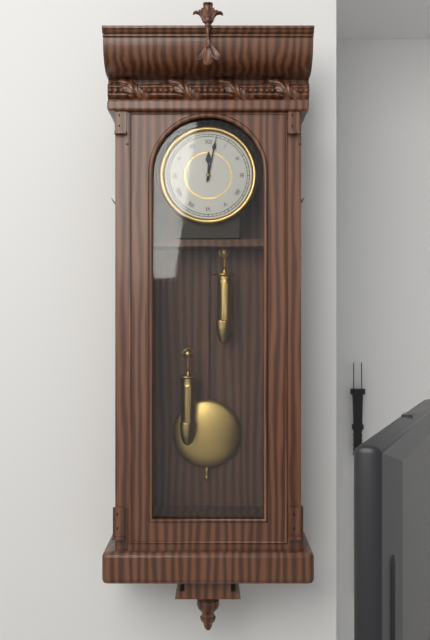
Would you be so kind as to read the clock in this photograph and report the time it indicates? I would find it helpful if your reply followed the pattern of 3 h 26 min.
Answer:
12 h 02 min
